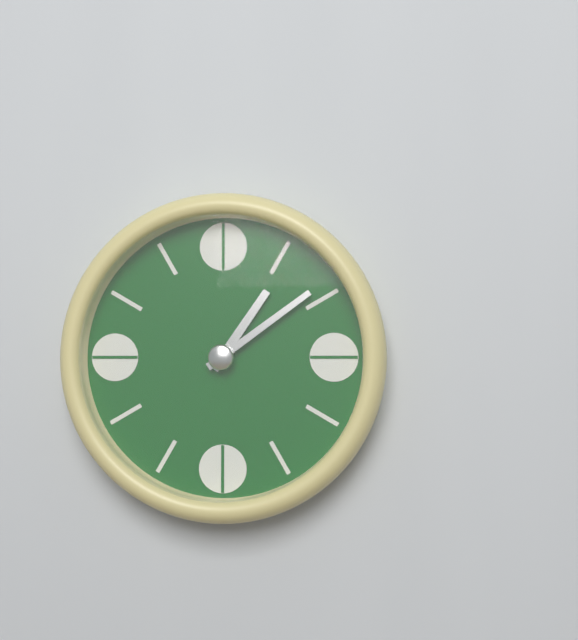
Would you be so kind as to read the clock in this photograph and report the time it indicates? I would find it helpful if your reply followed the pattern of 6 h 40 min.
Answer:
1 h 09 min
